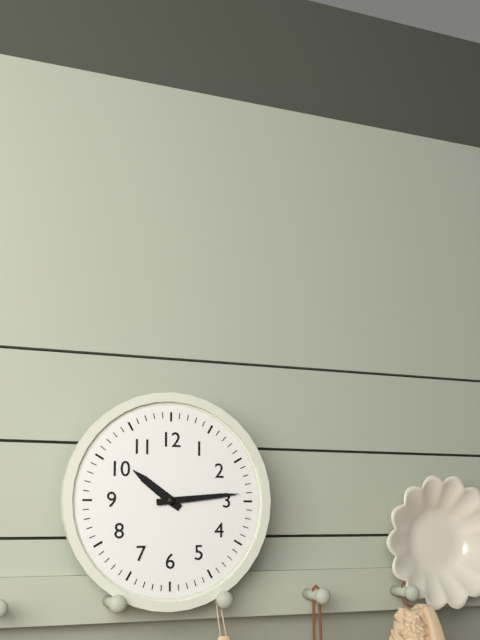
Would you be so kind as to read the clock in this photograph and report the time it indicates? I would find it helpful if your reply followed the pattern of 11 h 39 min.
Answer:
10 h 14 min
